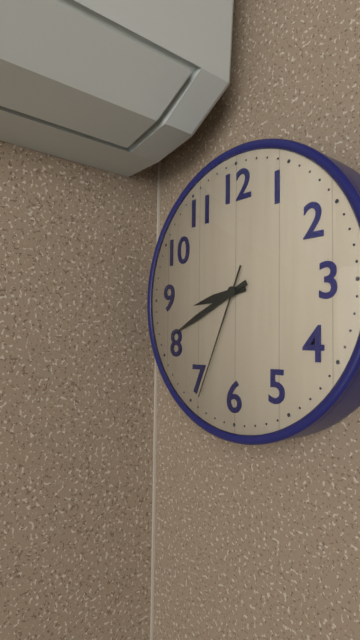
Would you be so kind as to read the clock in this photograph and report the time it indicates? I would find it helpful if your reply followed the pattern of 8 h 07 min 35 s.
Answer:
8 h 41 min 34 s
